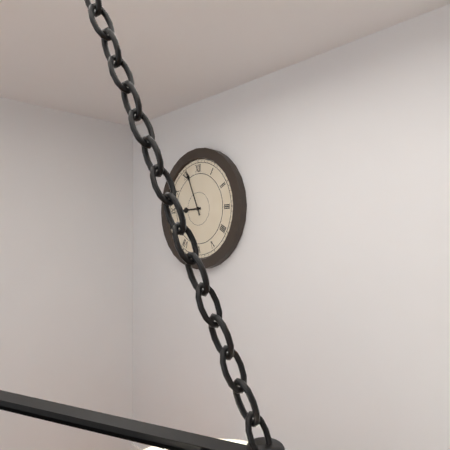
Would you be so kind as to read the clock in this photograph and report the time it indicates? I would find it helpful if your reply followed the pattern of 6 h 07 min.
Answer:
8 h 56 min
